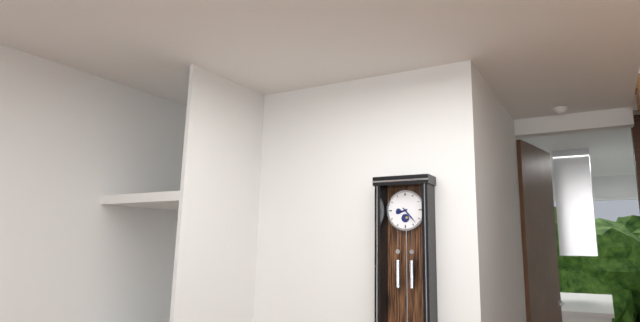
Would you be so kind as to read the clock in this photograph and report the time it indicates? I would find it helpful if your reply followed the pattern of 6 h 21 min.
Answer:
8 h 23 min
